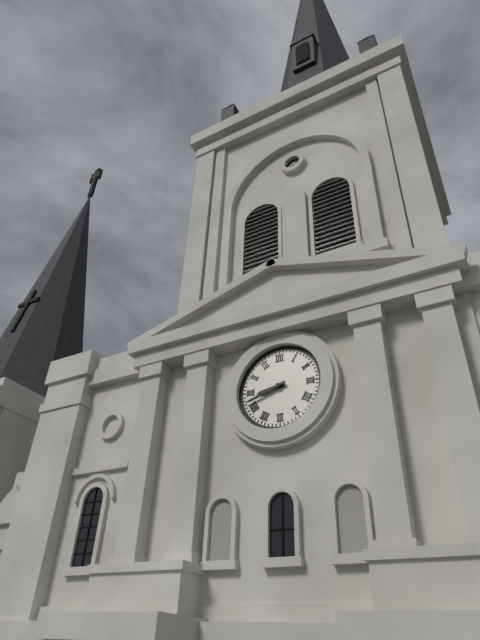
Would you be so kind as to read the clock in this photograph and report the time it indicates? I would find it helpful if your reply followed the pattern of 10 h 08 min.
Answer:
8 h 42 min
